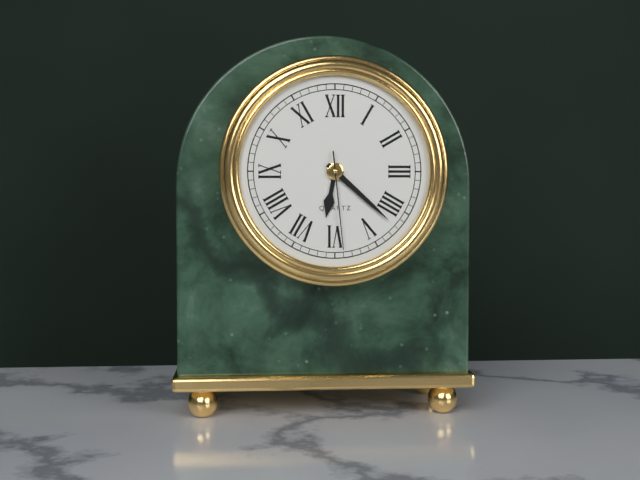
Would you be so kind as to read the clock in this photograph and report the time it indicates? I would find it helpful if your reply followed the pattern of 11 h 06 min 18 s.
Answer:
6 h 22 min 29 s
